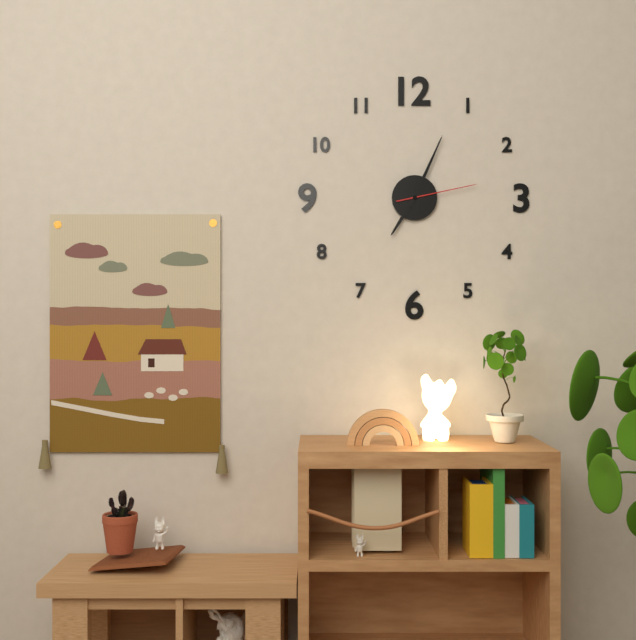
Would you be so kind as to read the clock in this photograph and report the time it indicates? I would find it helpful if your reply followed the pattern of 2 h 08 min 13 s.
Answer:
7 h 04 min 13 s
